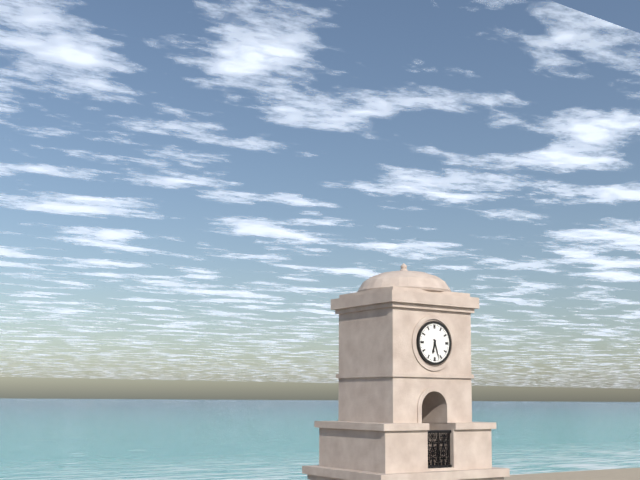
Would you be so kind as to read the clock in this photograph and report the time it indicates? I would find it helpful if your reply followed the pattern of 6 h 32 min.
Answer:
6 h 27 min
